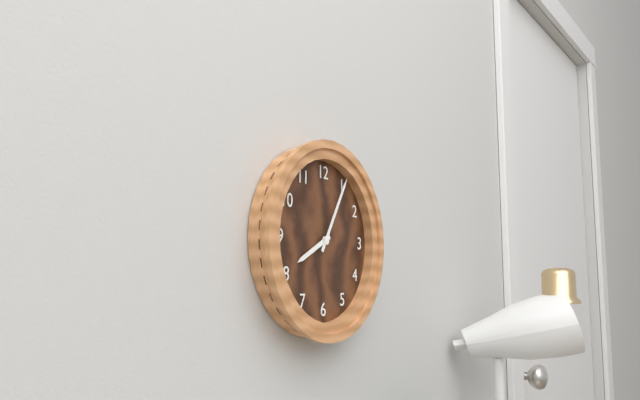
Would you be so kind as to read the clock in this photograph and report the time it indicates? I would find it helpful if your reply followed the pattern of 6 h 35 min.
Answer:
8 h 05 min
